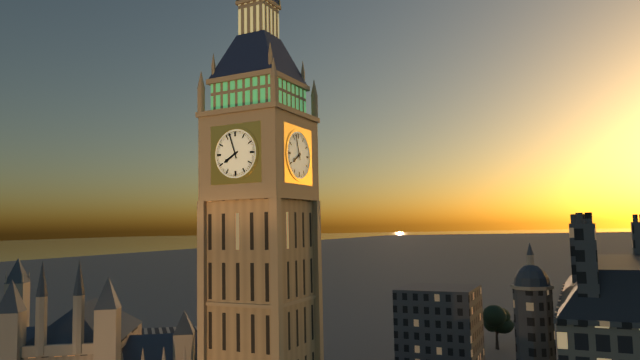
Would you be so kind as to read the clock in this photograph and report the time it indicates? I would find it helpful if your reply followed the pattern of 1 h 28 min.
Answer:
7 h 57 min
